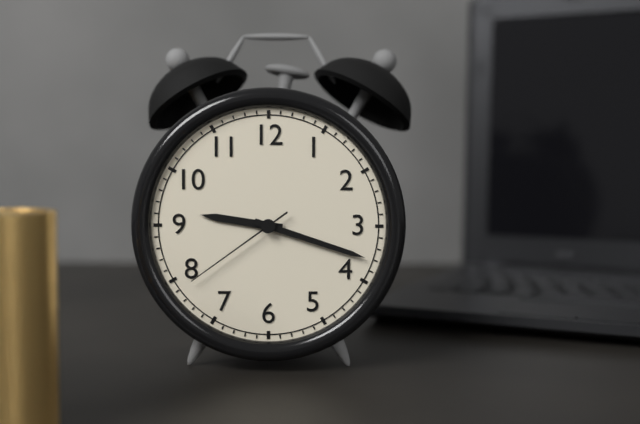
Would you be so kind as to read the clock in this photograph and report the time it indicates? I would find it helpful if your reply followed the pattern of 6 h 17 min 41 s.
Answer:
9 h 18 min 39 s
